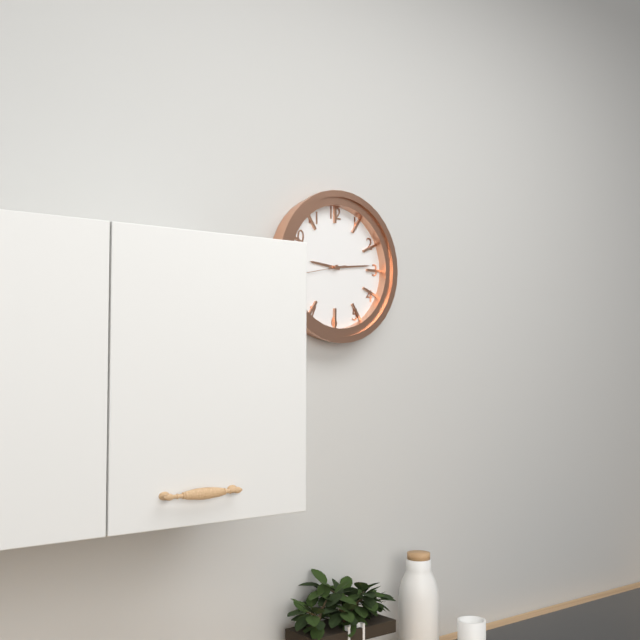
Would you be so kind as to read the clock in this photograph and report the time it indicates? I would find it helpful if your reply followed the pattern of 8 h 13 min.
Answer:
9 h 14 min
